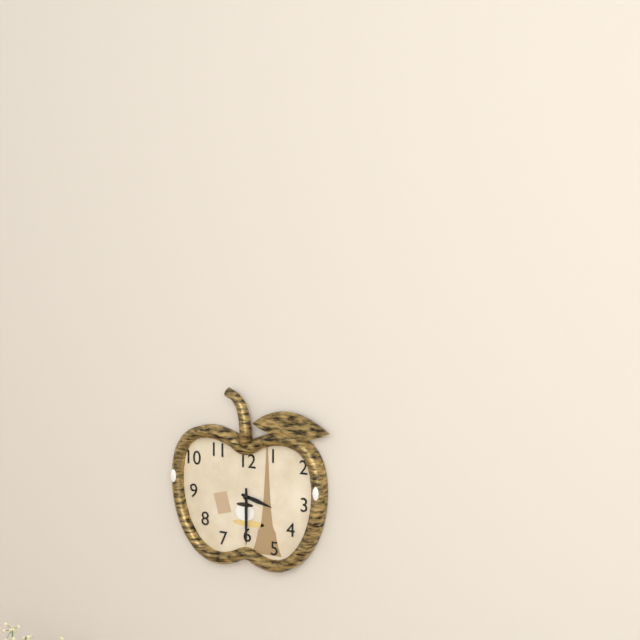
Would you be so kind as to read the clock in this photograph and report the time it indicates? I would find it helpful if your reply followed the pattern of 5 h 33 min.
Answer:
3 h 30 min
